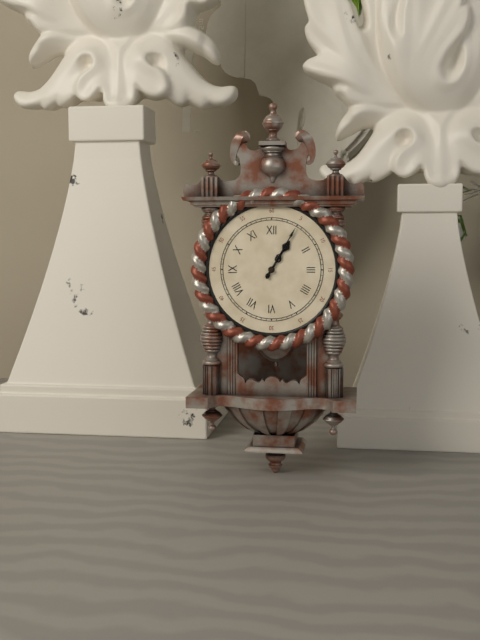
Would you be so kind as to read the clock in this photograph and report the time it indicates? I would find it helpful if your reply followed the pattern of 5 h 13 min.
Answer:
1 h 05 min
